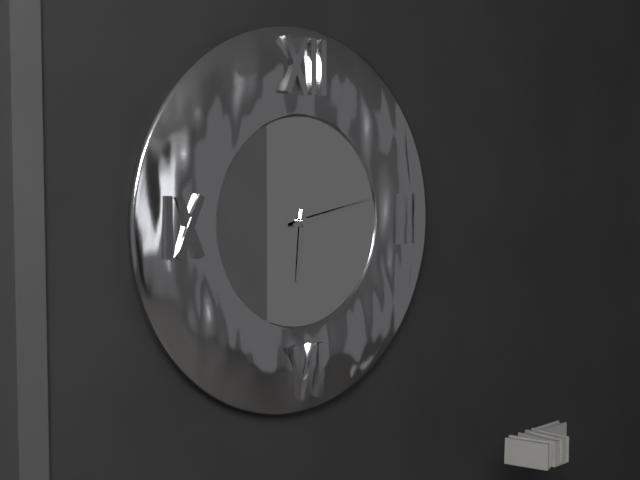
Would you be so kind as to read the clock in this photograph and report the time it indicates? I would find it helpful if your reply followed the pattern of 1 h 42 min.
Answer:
6 h 13 min
